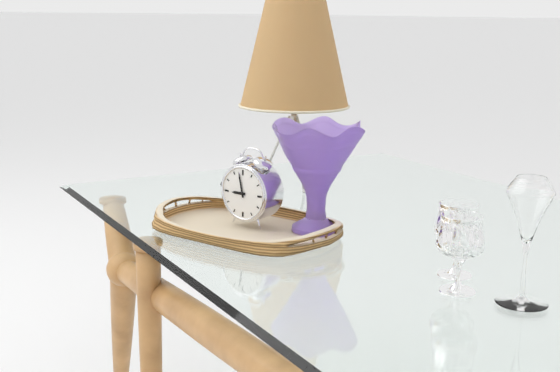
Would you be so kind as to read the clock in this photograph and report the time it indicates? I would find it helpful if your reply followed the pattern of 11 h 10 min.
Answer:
8 h 58 min
